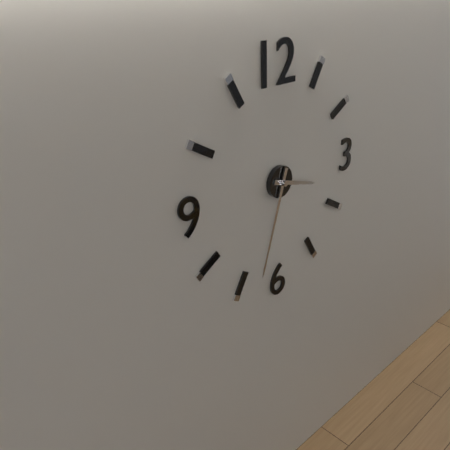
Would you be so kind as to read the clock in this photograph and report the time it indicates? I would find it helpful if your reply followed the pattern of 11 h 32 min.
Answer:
3 h 33 min
